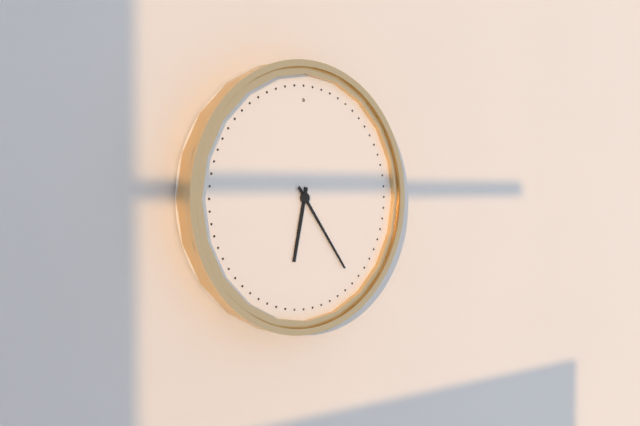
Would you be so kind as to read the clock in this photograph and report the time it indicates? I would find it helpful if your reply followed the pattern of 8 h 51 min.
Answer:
6 h 24 min
